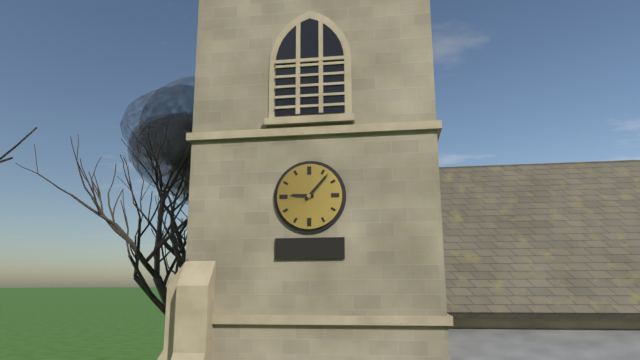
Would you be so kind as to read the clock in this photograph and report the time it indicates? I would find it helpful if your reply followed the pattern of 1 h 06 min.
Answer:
9 h 07 min
